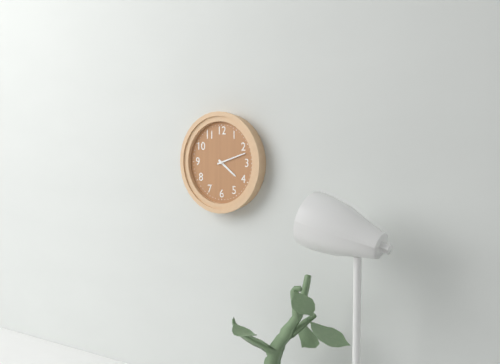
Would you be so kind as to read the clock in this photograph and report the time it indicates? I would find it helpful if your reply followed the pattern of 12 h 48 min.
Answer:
4 h 12 min
